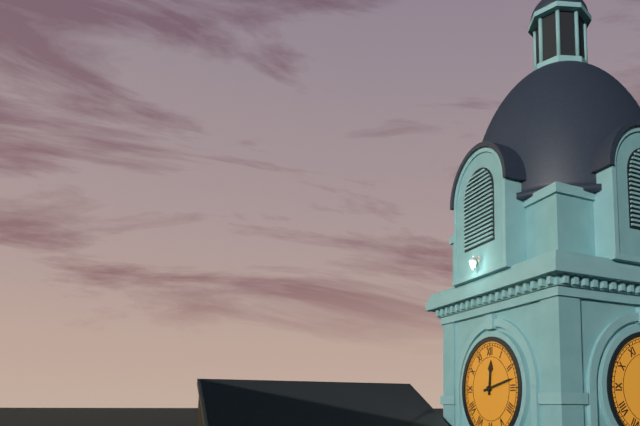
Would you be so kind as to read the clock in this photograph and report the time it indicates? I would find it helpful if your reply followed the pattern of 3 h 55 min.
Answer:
12 h 13 min
